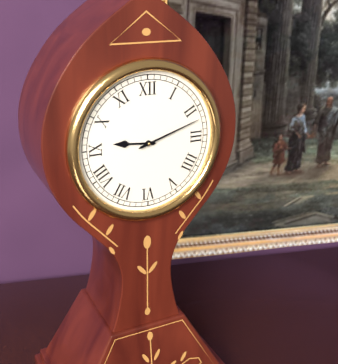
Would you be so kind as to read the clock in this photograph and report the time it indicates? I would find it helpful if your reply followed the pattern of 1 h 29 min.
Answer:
9 h 12 min
